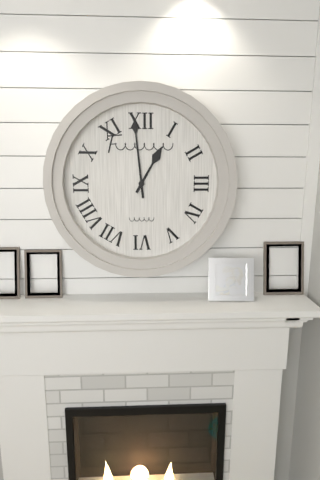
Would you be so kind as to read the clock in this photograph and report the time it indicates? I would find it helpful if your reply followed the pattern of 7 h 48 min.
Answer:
12 h 59 min
